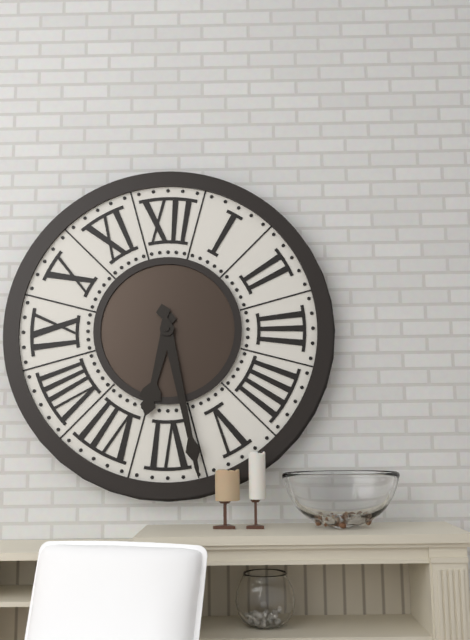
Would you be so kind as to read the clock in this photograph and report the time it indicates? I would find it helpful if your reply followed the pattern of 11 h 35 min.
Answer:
6 h 28 min
